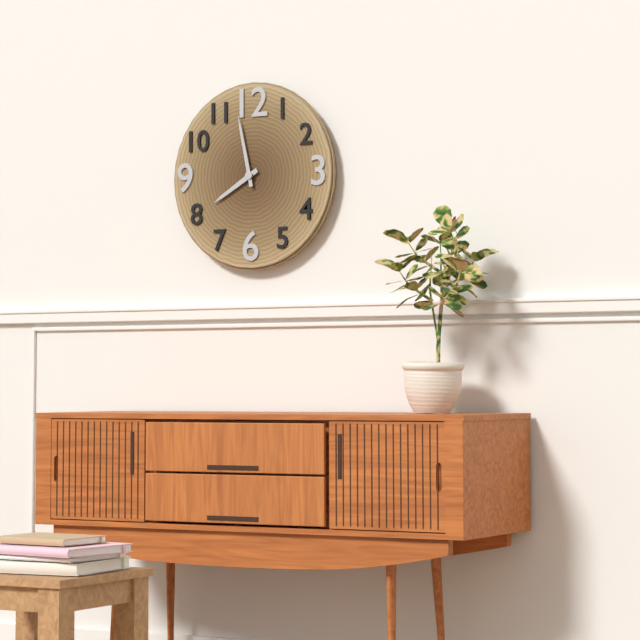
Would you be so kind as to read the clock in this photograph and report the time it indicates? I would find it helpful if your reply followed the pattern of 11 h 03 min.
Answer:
7 h 58 min
